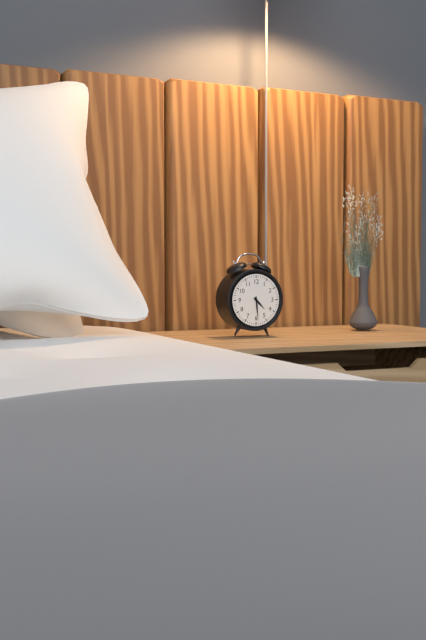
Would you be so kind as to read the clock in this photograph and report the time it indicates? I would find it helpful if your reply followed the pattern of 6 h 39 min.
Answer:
4 h 29 min
